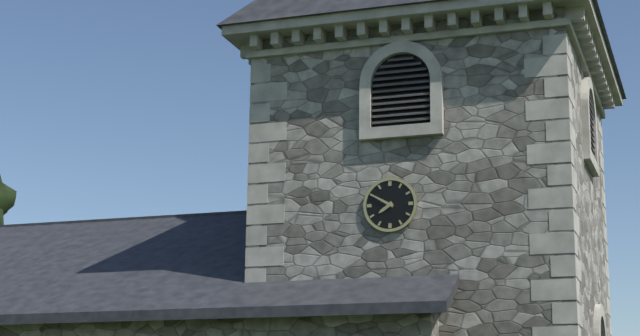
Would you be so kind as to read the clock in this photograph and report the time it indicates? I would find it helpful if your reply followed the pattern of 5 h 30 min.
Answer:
7 h 50 min
